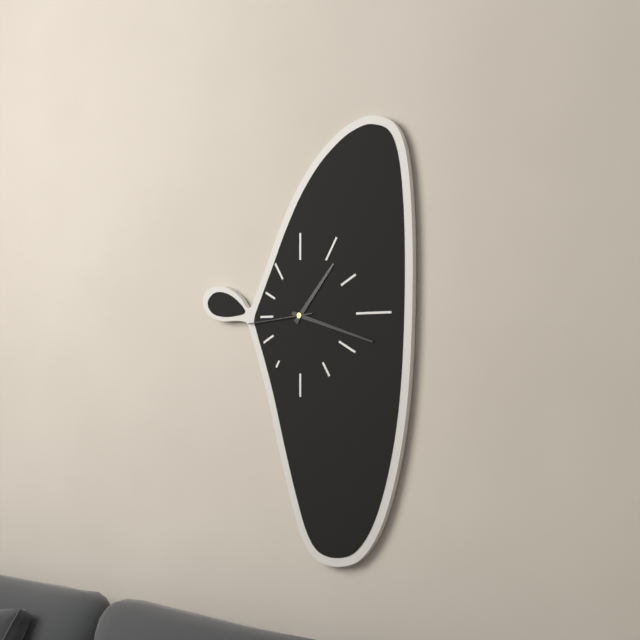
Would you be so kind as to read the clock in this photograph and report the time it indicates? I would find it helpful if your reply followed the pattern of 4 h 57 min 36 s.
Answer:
1 h 18 min 44 s
